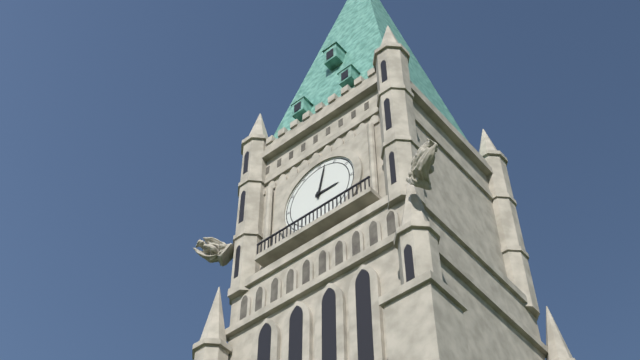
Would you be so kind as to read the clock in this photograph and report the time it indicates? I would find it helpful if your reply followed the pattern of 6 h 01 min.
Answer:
3 h 02 min
